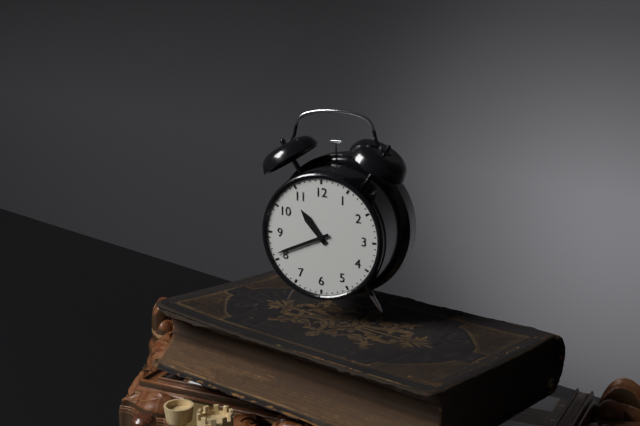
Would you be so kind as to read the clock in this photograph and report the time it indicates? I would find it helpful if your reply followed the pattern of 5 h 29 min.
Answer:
10 h 41 min
